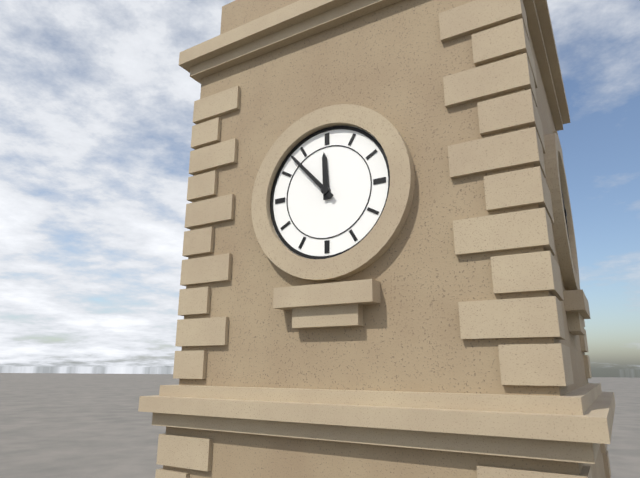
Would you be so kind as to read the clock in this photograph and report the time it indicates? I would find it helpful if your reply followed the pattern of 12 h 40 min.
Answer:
11 h 53 min
